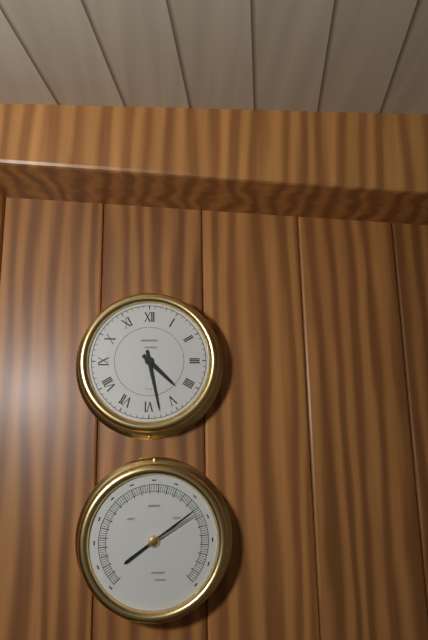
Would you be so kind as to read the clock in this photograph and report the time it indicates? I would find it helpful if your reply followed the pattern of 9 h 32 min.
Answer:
4 h 28 min
